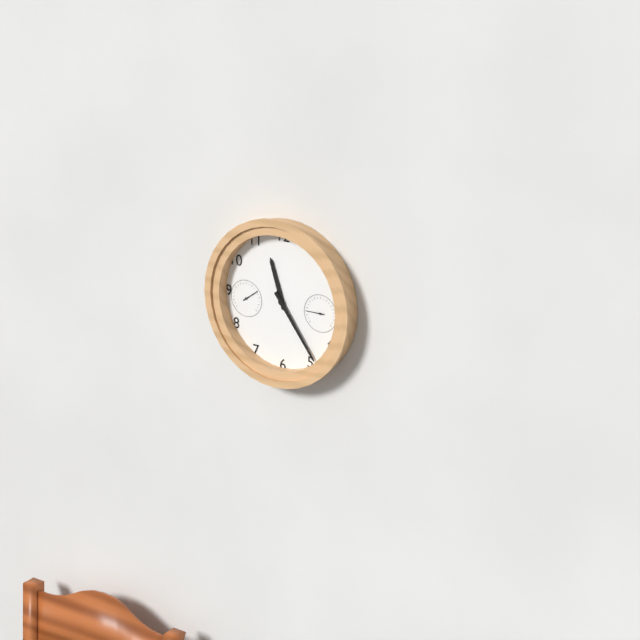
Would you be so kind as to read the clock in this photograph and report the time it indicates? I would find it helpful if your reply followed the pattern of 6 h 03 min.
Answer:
11 h 24 min
